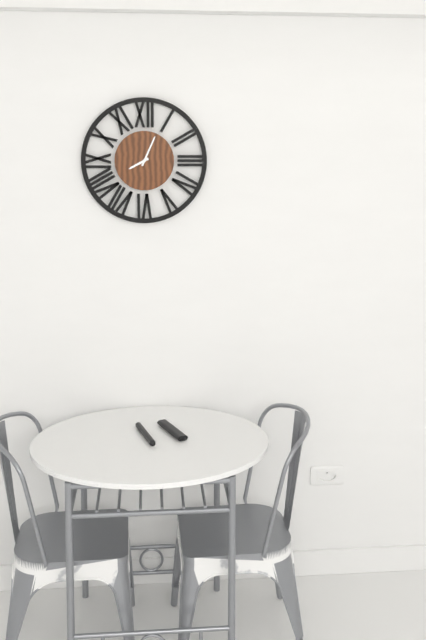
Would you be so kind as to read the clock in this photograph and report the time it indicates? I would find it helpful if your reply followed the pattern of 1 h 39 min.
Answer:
8 h 04 min
